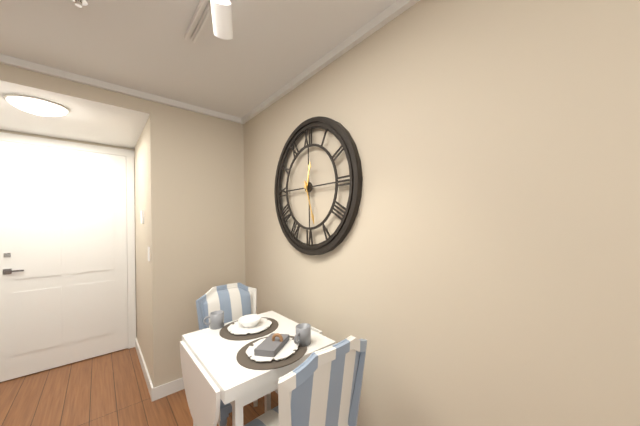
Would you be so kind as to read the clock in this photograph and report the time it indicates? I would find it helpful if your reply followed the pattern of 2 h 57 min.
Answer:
12 h 27 min
